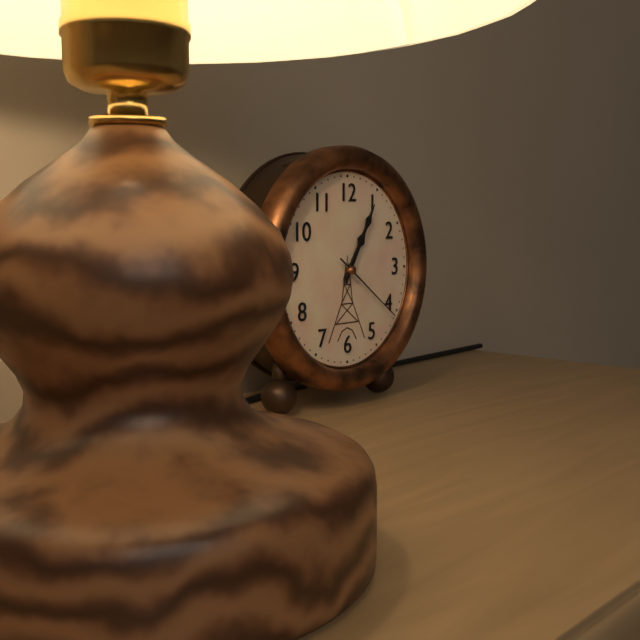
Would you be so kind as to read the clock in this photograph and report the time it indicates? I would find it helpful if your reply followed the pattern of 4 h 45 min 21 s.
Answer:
1 h 05 min 21 s
